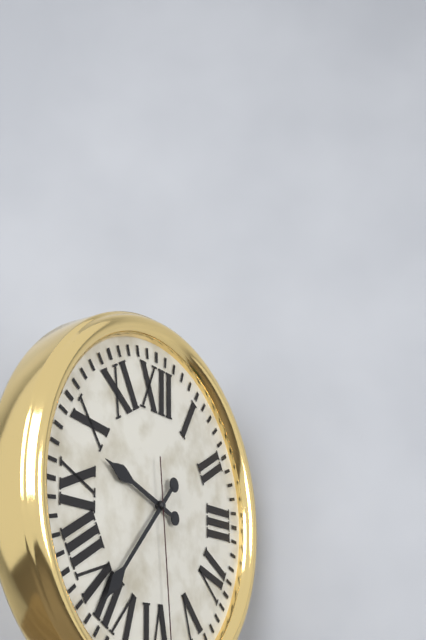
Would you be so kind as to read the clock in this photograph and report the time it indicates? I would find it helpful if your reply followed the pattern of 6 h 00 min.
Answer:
9 h 37 min
